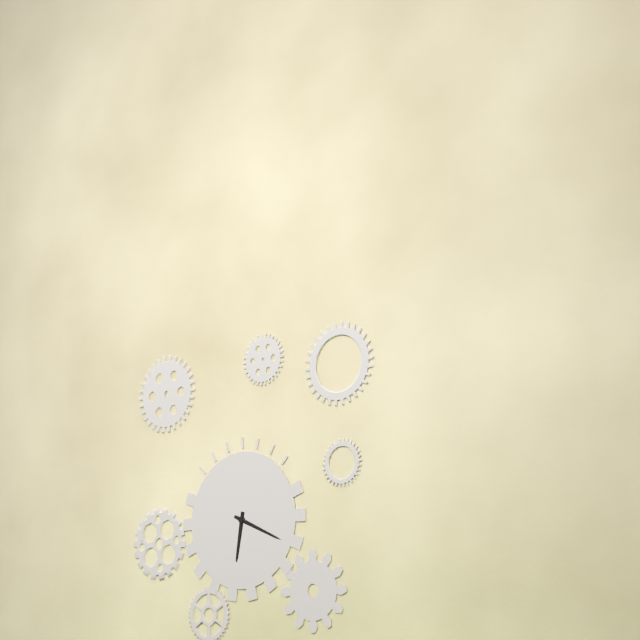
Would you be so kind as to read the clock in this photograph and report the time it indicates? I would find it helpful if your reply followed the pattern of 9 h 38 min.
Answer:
6 h 19 min
